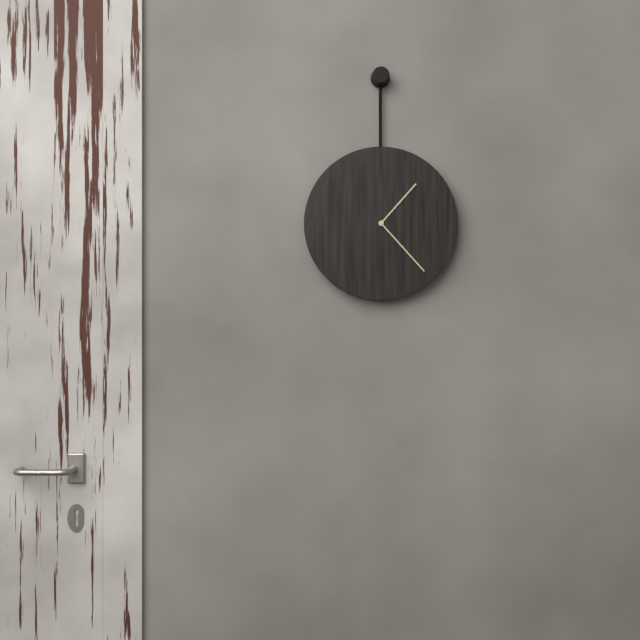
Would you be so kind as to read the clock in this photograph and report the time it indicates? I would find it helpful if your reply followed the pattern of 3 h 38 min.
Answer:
1 h 23 min
